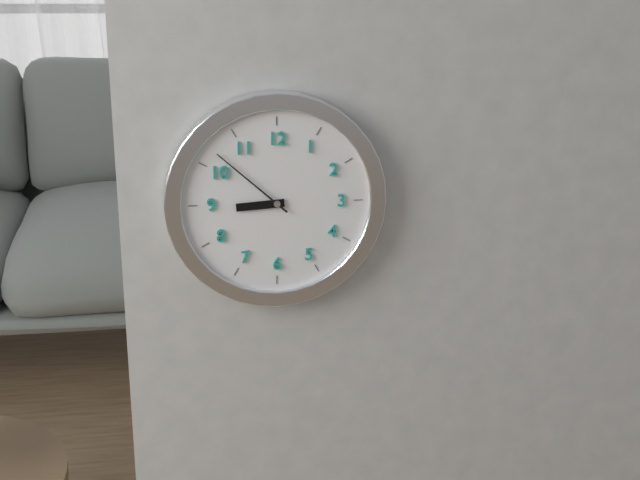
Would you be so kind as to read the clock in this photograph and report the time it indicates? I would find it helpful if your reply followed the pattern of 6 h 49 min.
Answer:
8 h 52 min
